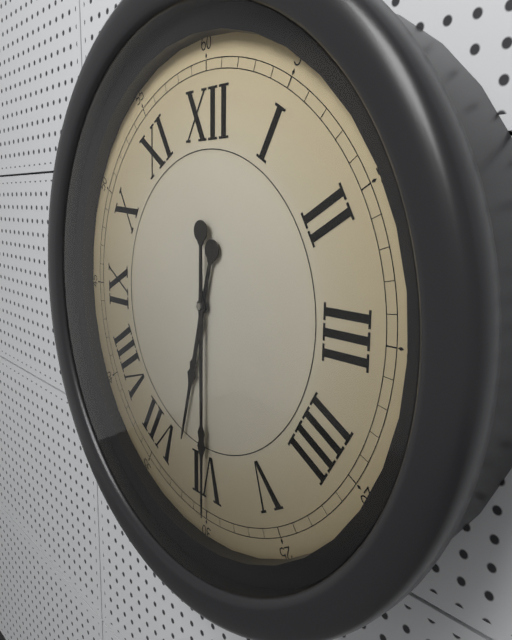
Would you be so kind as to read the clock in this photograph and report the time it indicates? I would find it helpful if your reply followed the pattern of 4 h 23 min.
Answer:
6 h 30 min
